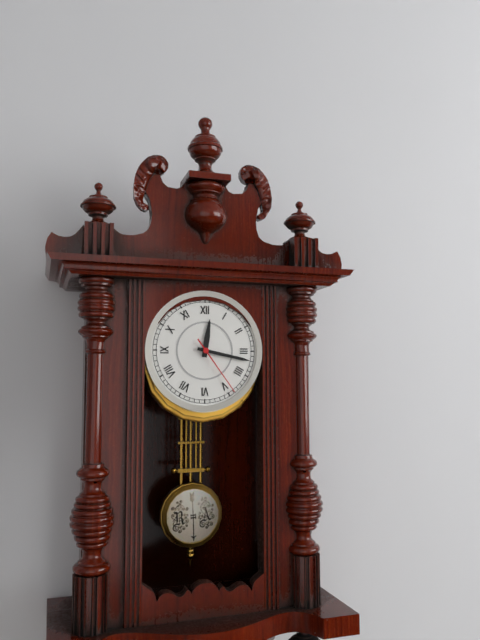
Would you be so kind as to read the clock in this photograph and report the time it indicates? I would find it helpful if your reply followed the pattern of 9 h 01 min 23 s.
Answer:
12 h 17 min 24 s
